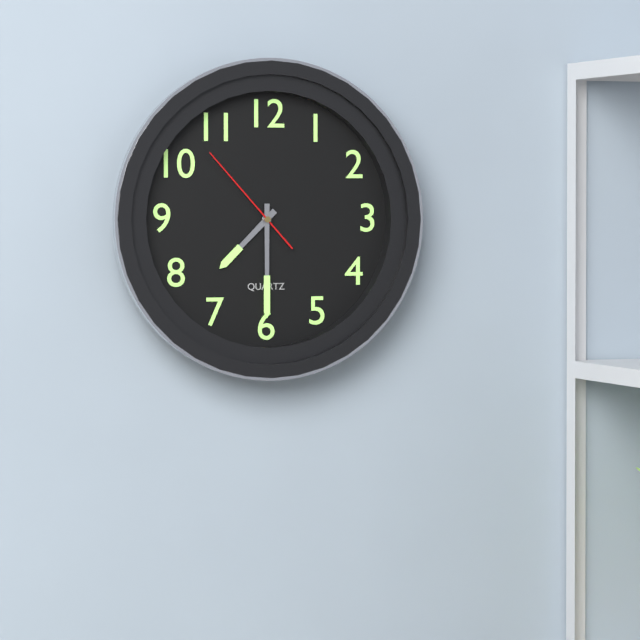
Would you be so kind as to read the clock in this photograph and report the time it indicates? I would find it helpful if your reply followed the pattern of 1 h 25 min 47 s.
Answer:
7 h 30 min 53 s
